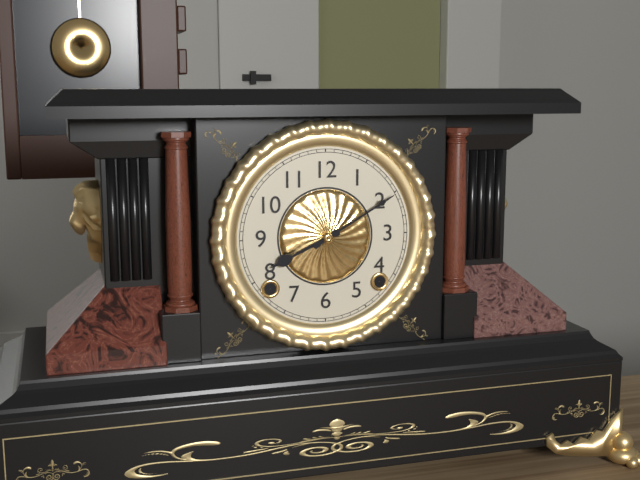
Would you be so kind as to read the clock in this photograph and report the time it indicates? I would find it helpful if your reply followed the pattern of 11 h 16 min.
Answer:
8 h 10 min
